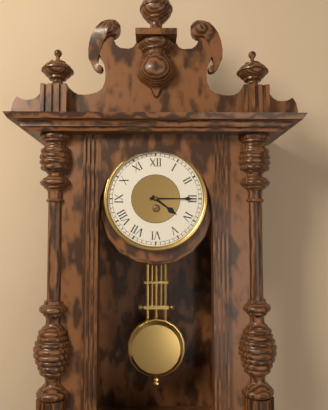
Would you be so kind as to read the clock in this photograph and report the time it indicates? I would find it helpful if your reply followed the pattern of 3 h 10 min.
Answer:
4 h 15 min
